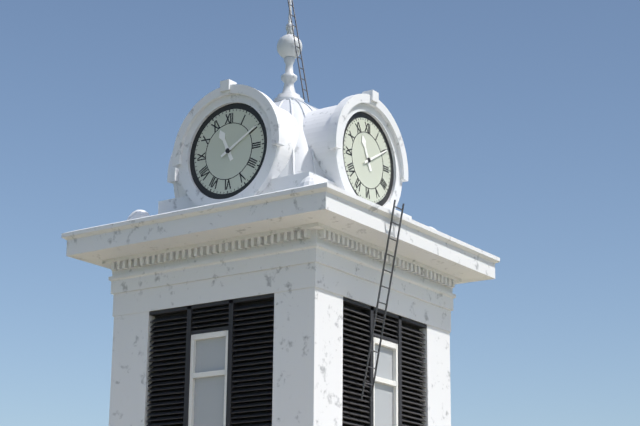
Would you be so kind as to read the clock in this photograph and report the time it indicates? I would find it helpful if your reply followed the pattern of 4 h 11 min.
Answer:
11 h 10 min
